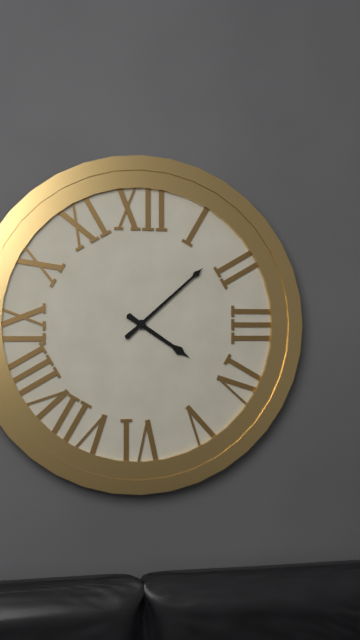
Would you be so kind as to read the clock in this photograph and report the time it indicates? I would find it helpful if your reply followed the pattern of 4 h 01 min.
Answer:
4 h 08 min
